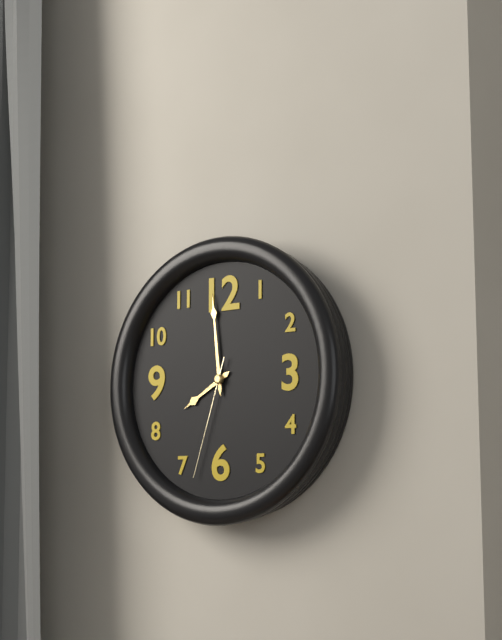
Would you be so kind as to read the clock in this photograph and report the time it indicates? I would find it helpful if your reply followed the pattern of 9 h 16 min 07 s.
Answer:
7 h 59 min 33 s
